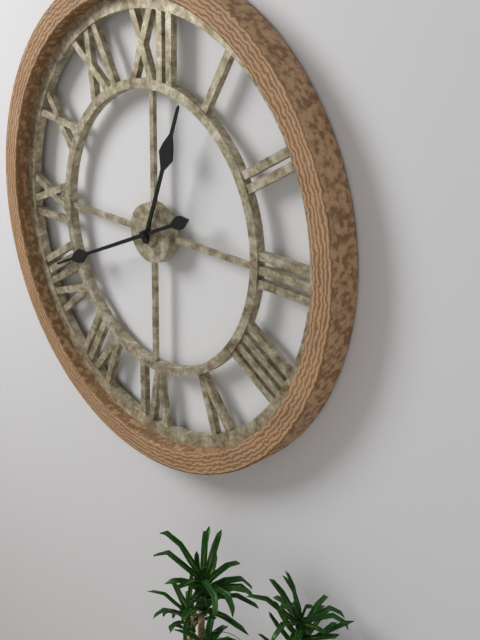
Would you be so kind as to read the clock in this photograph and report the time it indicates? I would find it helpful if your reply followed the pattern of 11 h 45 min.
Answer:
12 h 41 min
